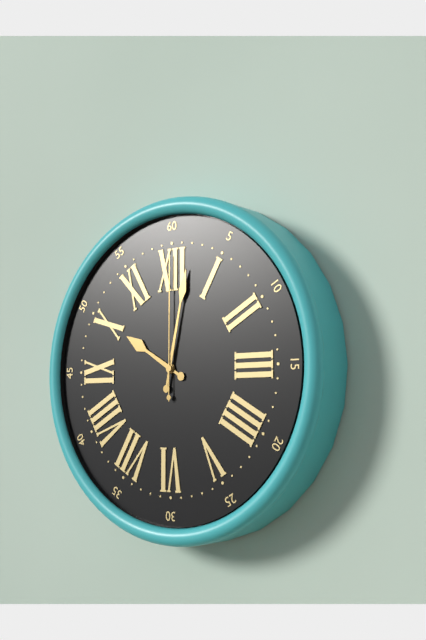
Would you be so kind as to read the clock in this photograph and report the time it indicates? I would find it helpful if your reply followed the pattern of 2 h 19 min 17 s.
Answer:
10 h 02 min 00 s
